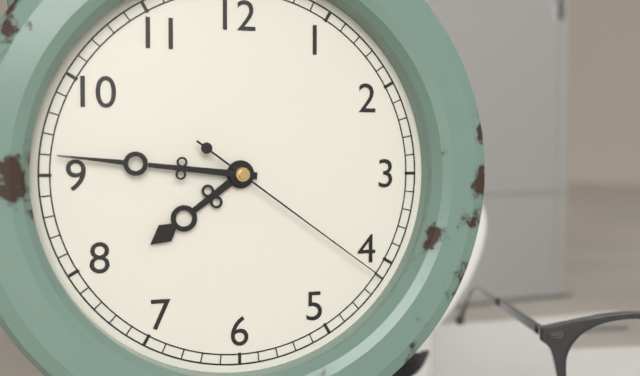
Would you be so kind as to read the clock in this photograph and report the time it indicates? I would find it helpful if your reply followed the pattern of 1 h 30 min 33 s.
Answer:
7 h 46 min 21 s
